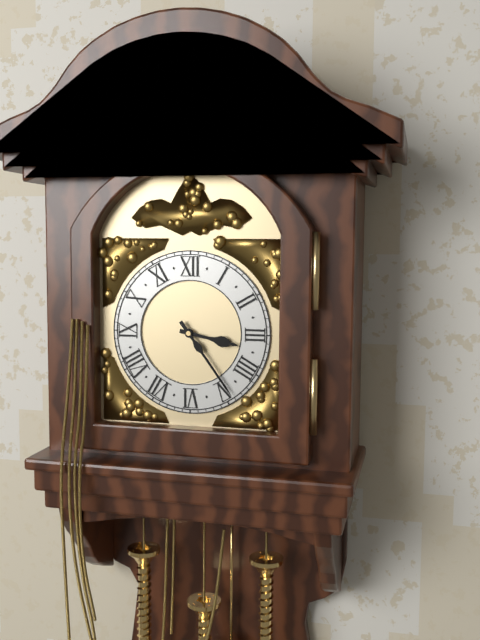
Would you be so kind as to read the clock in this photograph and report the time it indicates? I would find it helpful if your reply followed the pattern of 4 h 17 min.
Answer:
3 h 24 min
